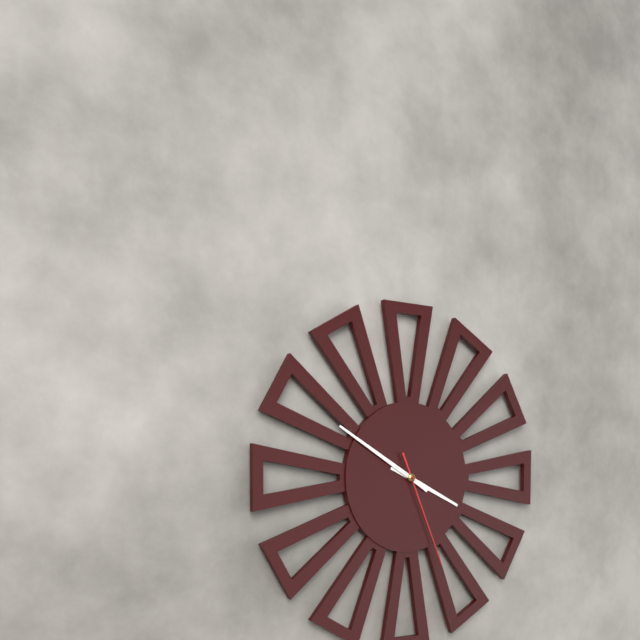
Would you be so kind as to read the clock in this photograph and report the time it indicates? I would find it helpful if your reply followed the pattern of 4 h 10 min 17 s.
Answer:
3 h 50 min 26 s
